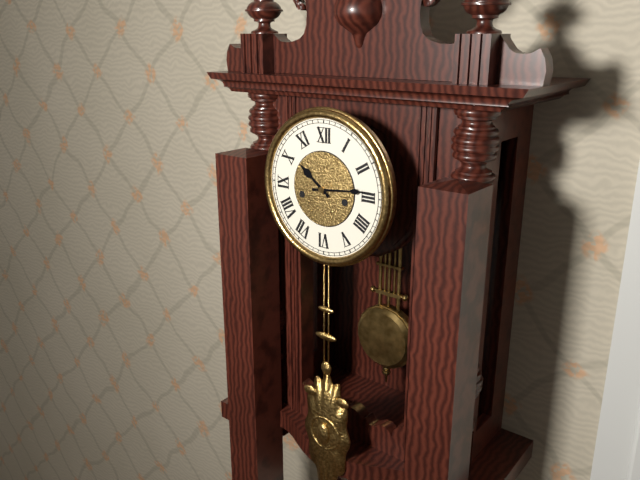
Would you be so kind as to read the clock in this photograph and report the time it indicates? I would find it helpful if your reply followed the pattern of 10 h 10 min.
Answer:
10 h 14 min
